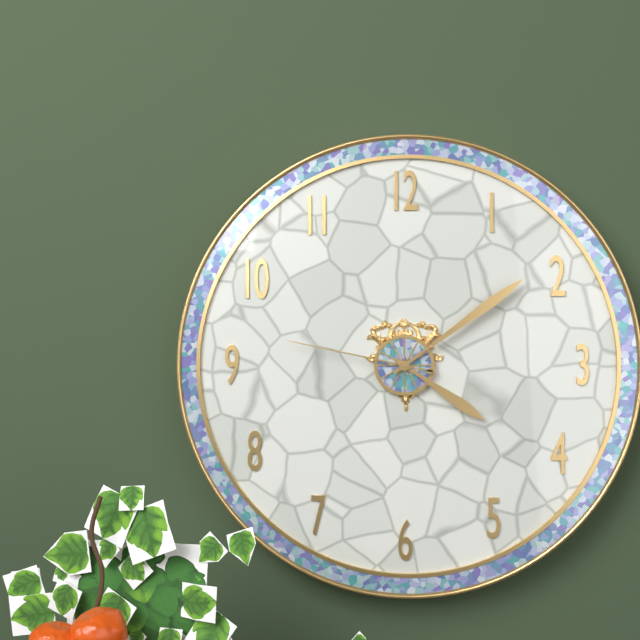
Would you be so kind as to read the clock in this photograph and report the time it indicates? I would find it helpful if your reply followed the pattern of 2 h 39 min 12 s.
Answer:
4 h 09 min 47 s
